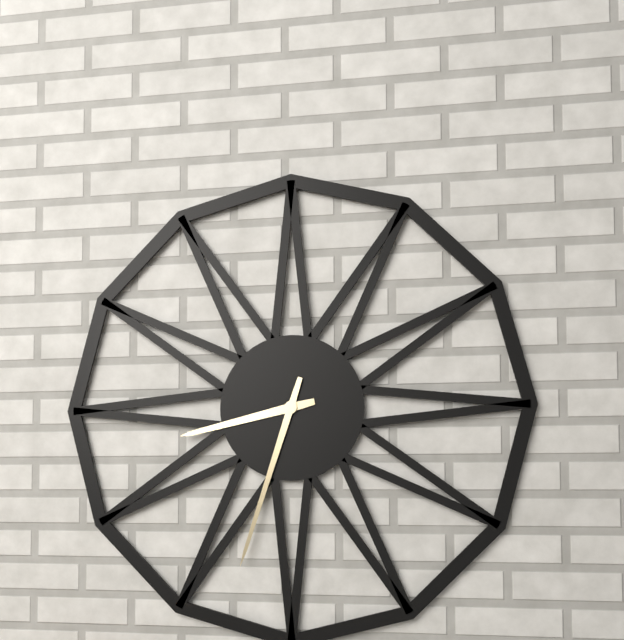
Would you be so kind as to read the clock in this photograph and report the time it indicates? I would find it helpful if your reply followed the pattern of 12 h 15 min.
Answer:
8 h 33 min
